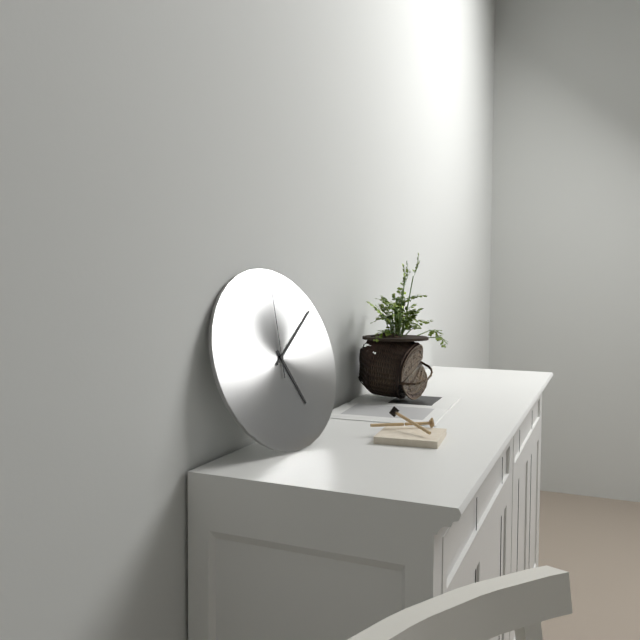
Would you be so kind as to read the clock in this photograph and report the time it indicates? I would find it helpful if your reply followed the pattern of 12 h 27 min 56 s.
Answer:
5 h 09 min 01 s
